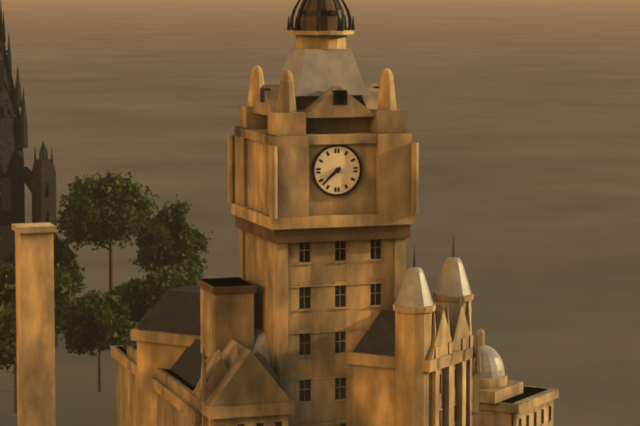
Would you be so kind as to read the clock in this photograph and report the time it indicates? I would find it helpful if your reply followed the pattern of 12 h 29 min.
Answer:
7 h 38 min
